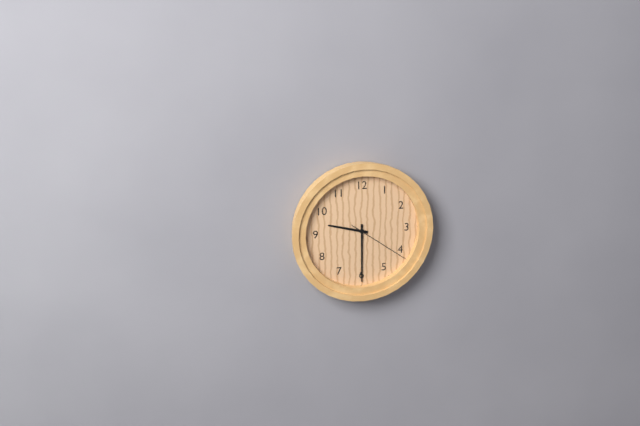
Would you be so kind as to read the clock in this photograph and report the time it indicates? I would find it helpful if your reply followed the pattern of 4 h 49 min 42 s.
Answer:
9 h 30 min 21 s
